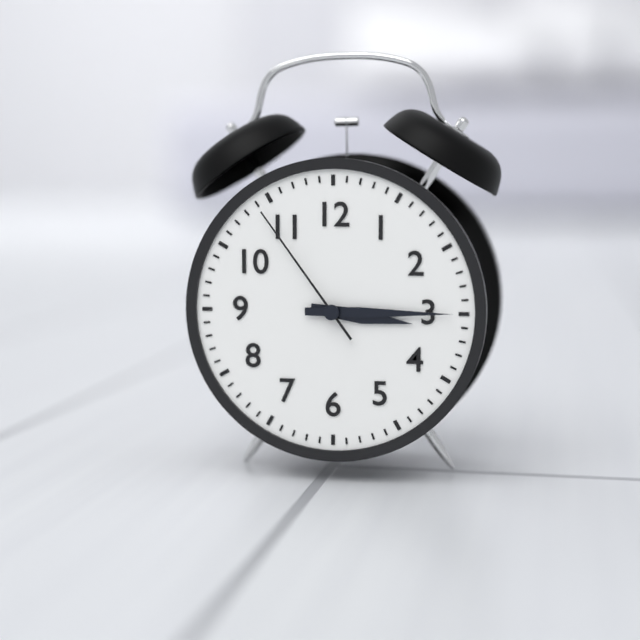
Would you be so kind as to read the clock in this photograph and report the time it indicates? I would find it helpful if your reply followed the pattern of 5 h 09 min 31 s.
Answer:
3 h 15 min 54 s
